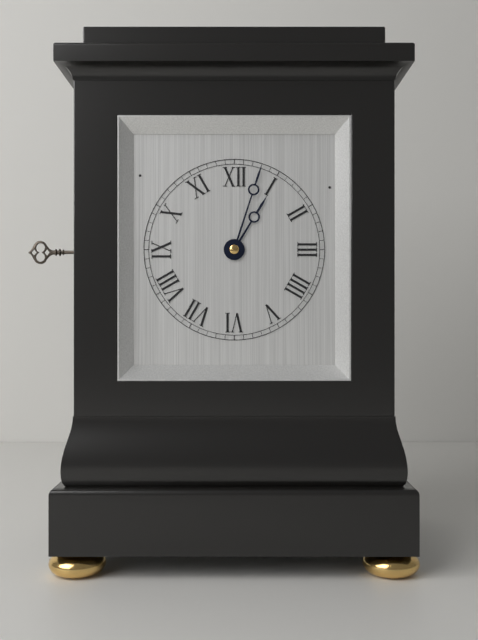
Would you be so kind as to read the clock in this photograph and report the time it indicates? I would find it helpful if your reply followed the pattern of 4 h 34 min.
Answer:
1 h 03 min
